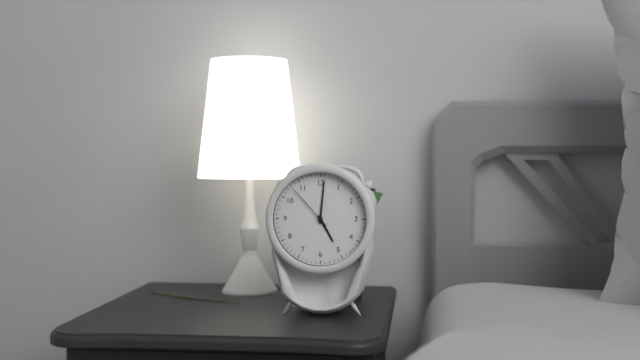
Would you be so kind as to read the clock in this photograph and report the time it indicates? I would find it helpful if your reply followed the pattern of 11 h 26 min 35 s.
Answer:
5 h 01 min 53 s
